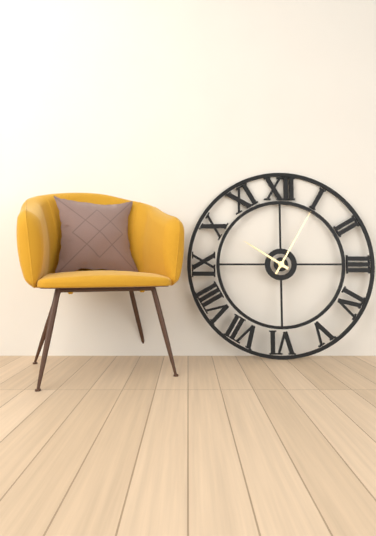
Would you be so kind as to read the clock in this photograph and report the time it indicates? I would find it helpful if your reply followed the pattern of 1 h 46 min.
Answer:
10 h 05 min
